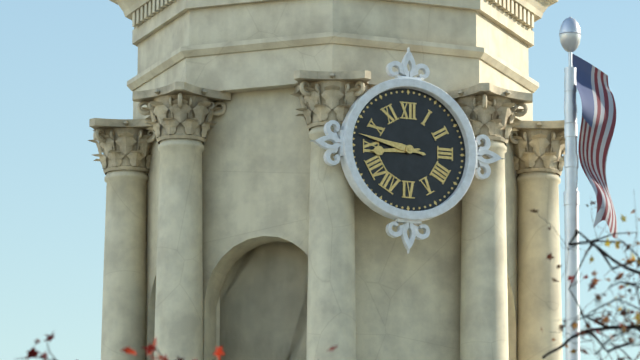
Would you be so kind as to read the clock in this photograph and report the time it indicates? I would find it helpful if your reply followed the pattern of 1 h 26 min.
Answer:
8 h 47 min
